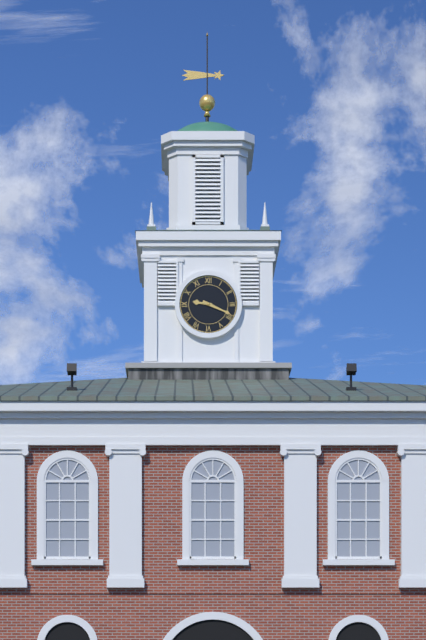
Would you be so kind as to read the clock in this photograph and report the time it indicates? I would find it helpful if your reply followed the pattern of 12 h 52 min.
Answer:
9 h 19 min
